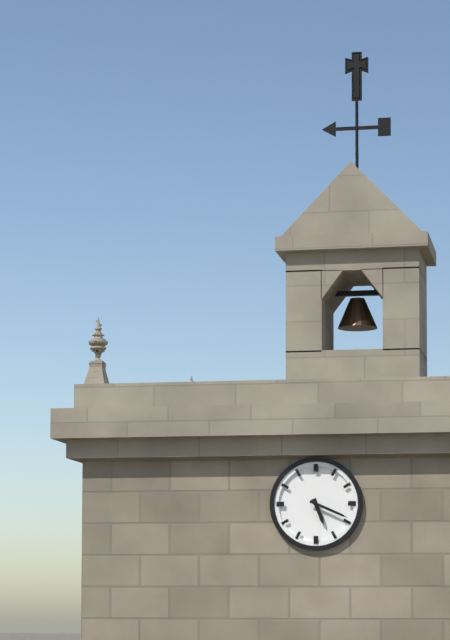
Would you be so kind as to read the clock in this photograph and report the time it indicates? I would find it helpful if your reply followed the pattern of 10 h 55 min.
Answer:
5 h 19 min
